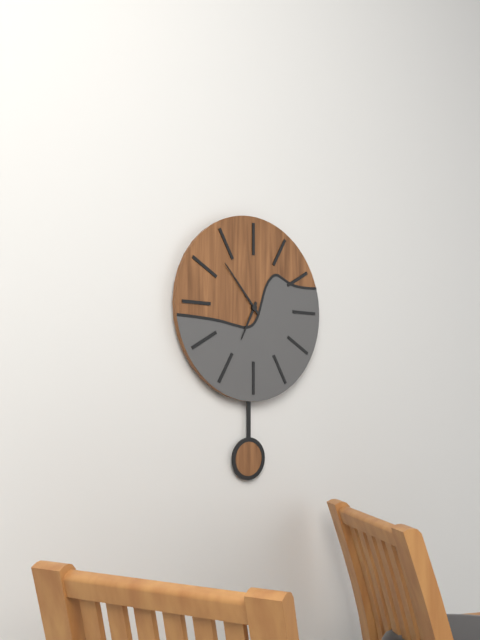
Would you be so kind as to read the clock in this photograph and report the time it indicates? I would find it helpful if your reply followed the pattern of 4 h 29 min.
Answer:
6 h 53 min
